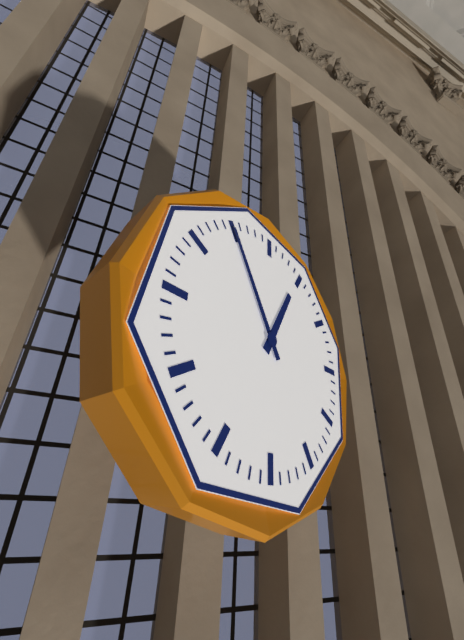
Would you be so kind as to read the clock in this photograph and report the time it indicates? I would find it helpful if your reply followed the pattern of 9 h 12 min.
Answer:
12 h 55 min
